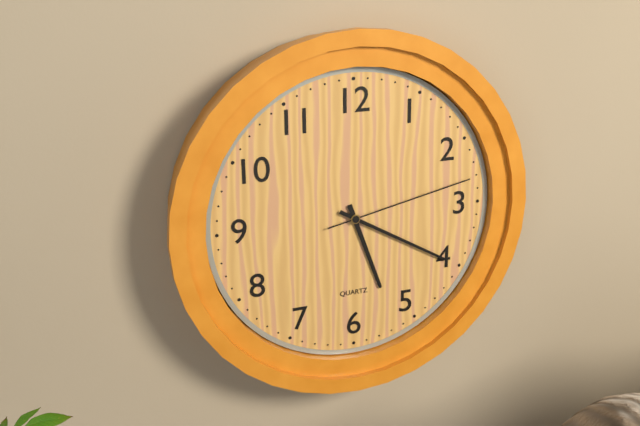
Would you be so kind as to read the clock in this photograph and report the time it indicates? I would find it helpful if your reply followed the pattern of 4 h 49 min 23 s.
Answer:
5 h 20 min 13 s
